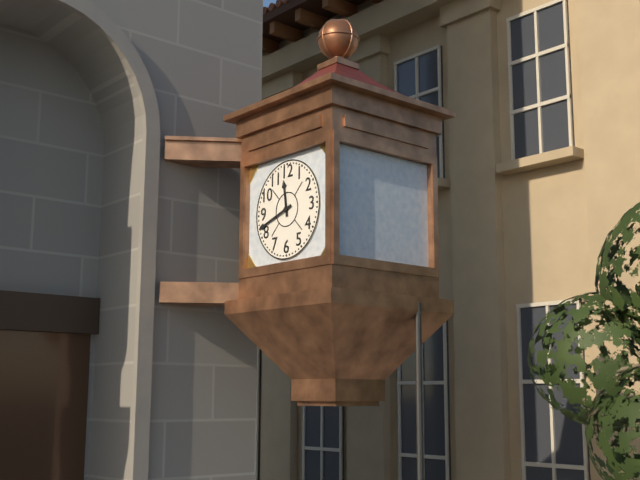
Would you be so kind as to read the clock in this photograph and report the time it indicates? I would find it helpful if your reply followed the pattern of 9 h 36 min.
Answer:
11 h 42 min
